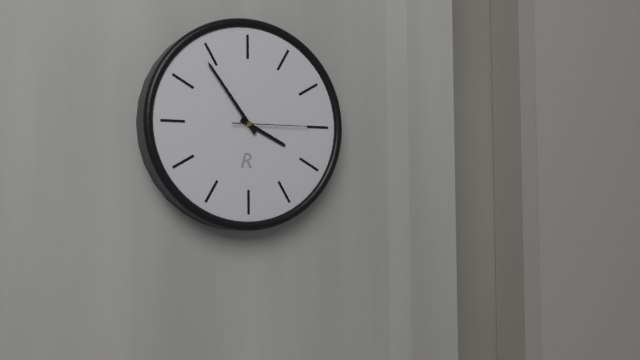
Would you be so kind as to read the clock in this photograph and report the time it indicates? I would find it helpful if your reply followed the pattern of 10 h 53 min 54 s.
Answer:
3 h 54 min 15 s
